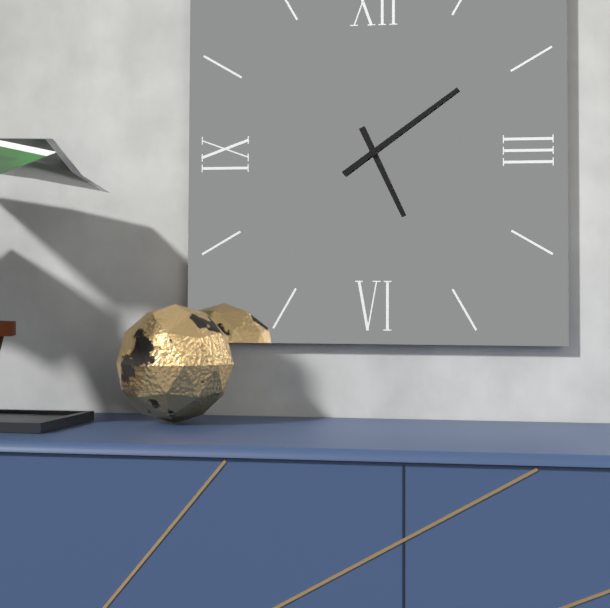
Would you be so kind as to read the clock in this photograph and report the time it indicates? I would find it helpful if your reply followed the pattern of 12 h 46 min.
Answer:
5 h 09 min
